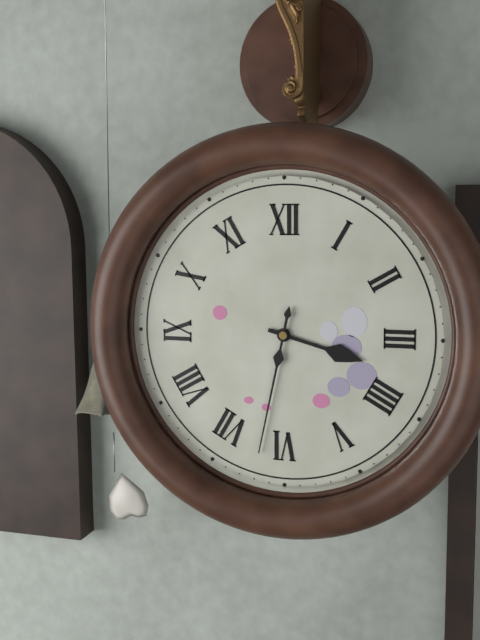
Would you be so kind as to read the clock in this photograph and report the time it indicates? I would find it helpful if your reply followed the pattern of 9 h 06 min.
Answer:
3 h 32 min
